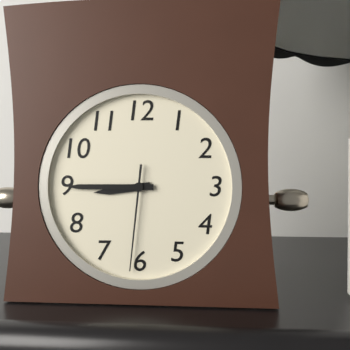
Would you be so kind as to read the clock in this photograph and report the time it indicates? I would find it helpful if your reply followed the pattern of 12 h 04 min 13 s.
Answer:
8 h 45 min 31 s
